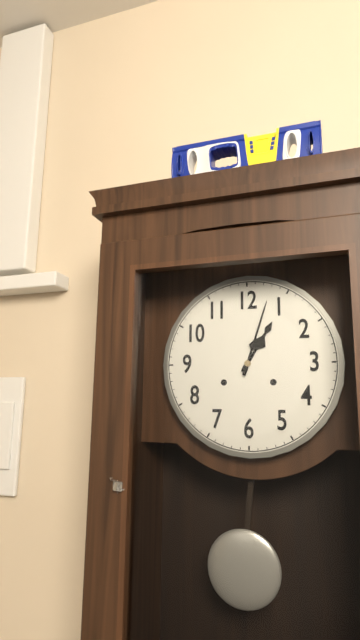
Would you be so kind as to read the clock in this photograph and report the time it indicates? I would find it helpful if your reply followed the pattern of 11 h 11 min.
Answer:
1 h 03 min
